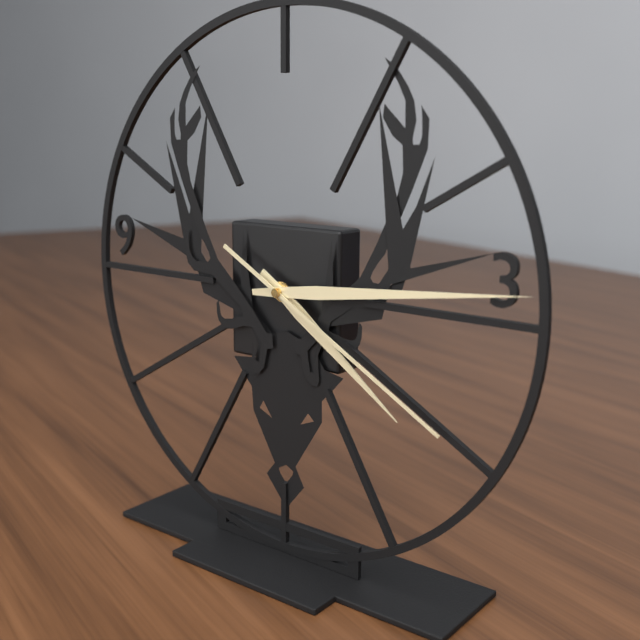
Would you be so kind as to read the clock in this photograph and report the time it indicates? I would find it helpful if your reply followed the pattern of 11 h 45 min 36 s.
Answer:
4 h 14 min 20 s
